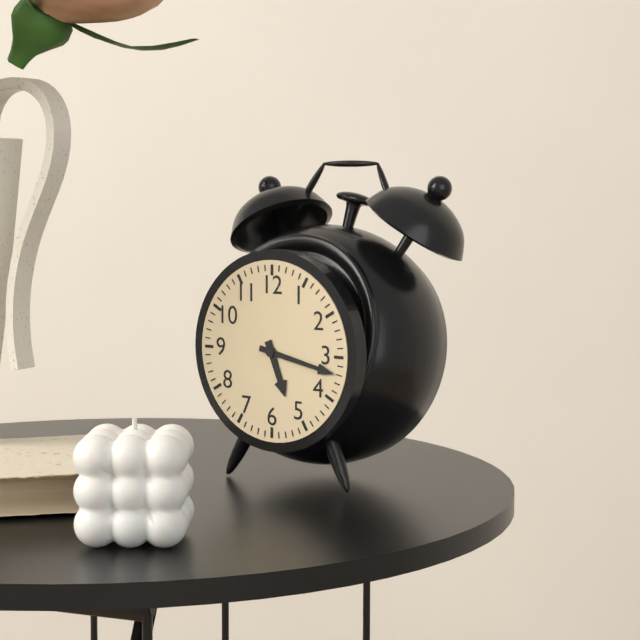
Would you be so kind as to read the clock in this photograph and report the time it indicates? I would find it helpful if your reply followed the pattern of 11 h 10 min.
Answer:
5 h 17 min
